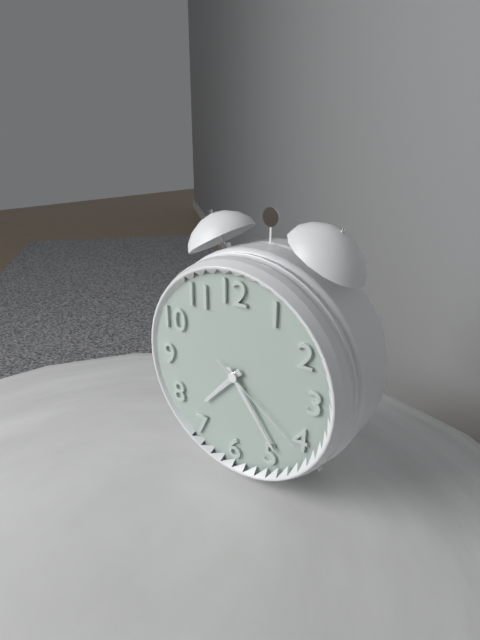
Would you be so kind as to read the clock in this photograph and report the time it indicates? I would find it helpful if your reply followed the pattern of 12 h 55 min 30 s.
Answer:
7 h 24 min 21 s
